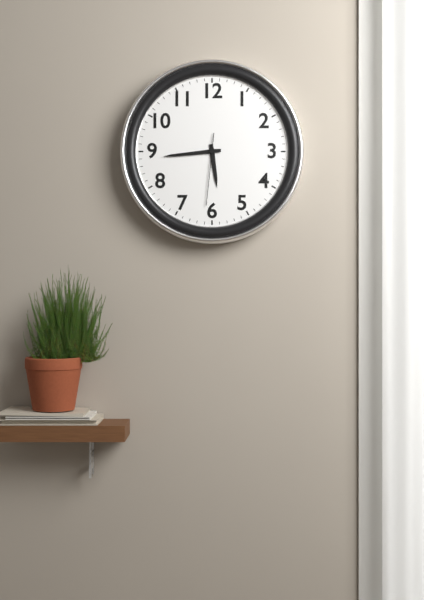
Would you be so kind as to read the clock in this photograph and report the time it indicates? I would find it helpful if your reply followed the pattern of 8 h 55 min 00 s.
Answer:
5 h 44 min 31 s
